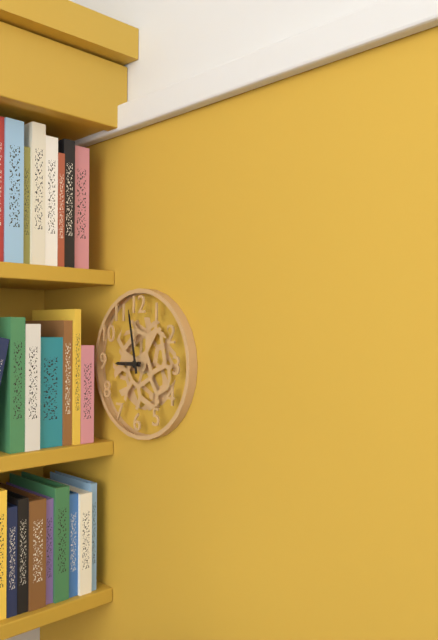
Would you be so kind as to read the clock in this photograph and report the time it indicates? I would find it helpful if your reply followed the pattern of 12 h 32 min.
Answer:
8 h 58 min
